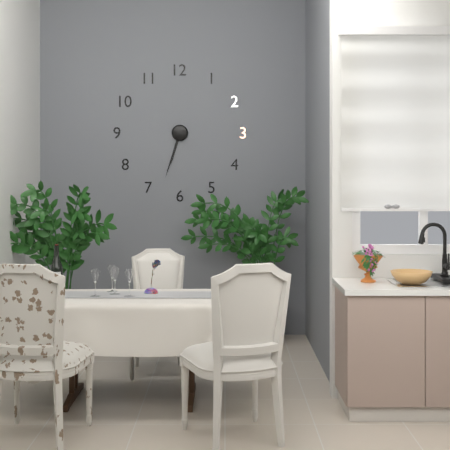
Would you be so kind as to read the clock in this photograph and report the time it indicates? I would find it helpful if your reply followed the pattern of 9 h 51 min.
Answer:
6 h 33 min
